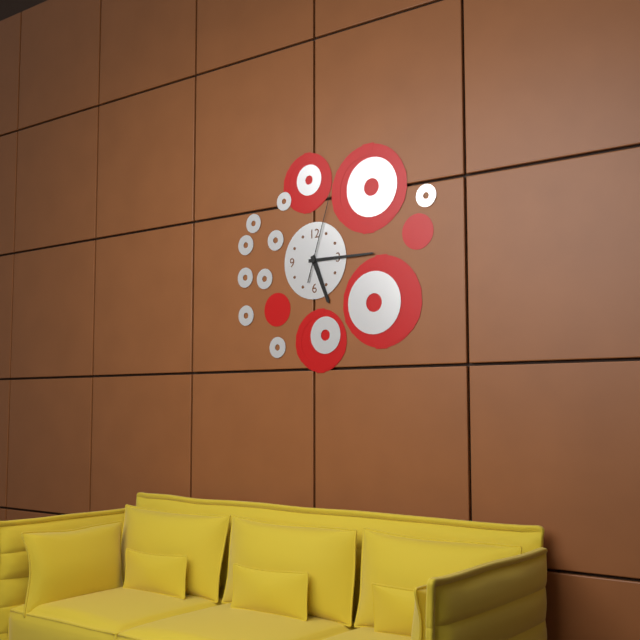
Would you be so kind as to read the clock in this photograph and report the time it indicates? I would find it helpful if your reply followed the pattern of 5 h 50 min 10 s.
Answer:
5 h 15 min 03 s
